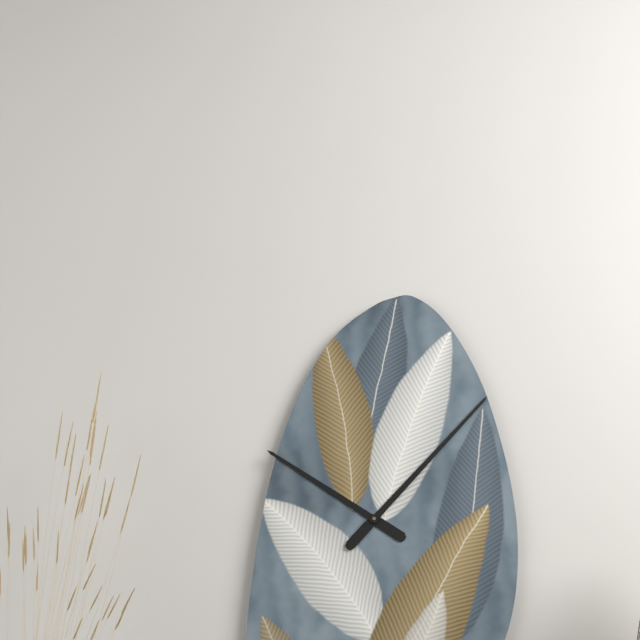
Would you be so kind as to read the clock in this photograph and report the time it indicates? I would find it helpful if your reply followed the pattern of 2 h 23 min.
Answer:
10 h 07 min
